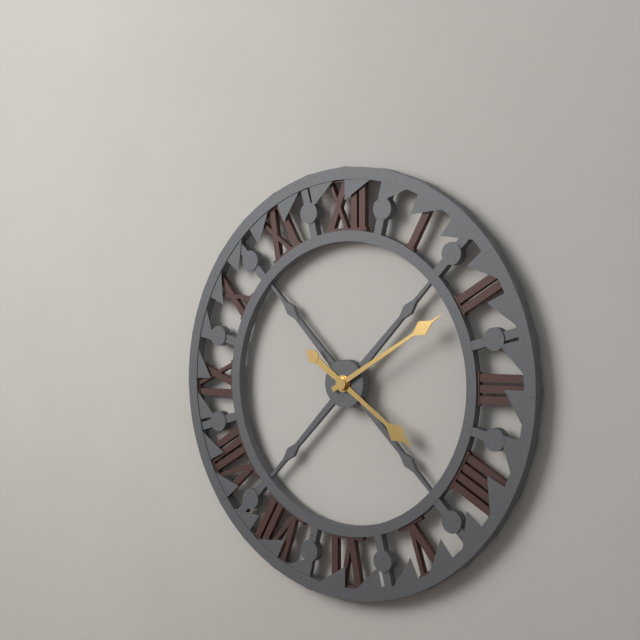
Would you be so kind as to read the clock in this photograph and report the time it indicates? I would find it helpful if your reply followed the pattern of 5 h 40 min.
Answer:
4 h 10 min
